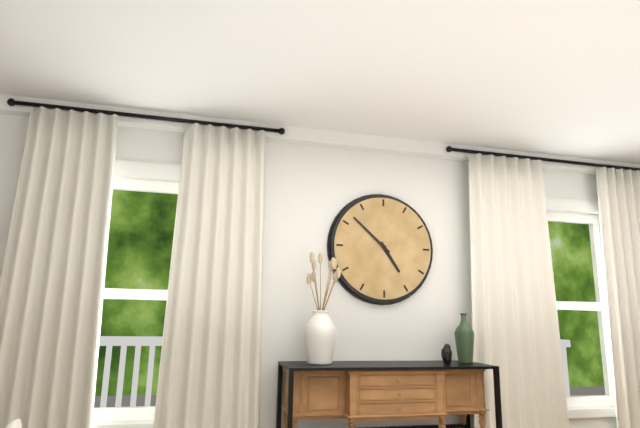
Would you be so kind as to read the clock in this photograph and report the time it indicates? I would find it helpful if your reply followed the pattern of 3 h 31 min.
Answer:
4 h 52 min
